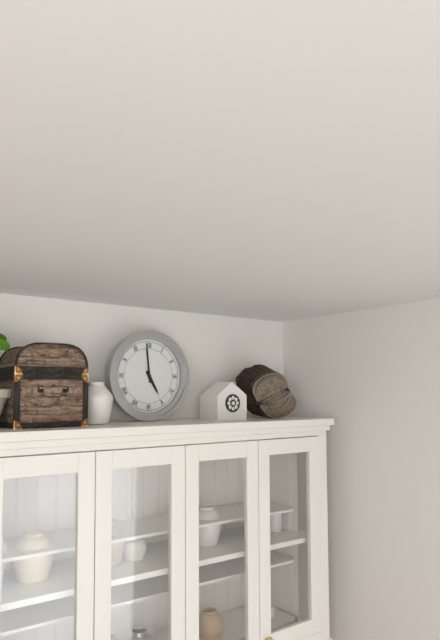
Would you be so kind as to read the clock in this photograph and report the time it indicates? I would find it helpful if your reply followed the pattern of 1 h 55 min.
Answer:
4 h 59 min
